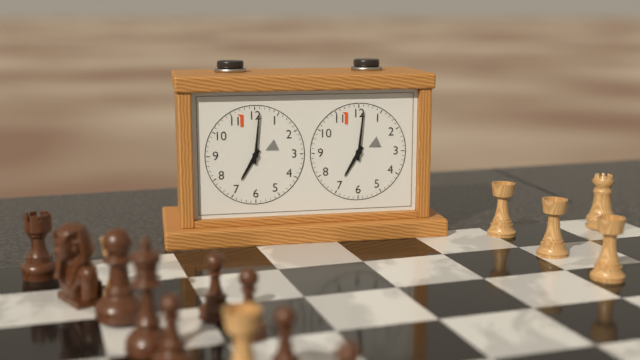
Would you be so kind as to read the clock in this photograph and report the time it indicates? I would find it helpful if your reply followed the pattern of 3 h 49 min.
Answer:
7 h 01 min
